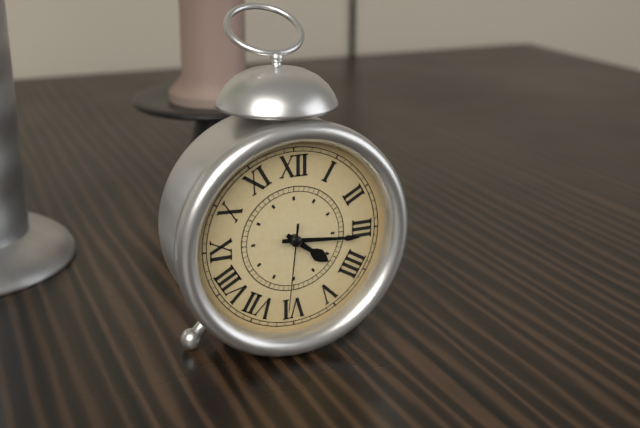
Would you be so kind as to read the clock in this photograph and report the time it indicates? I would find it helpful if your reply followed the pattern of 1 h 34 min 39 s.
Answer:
4 h 16 min 31 s
